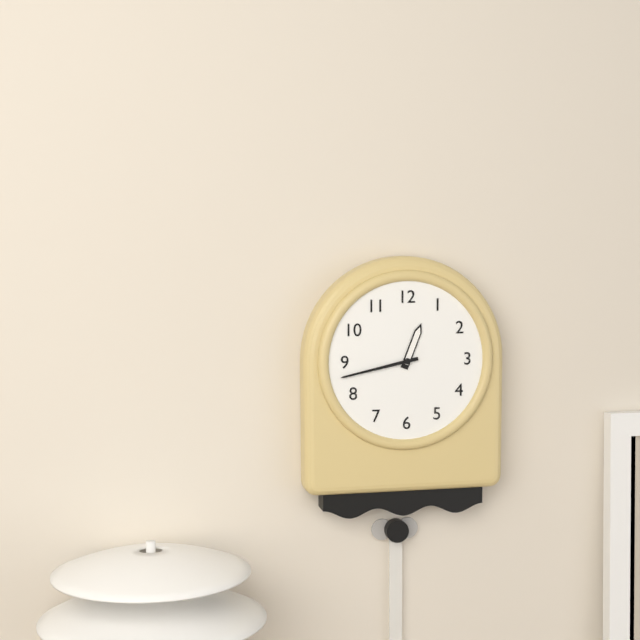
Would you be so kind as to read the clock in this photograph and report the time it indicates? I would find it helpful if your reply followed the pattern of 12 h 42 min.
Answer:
12 h 43 min
